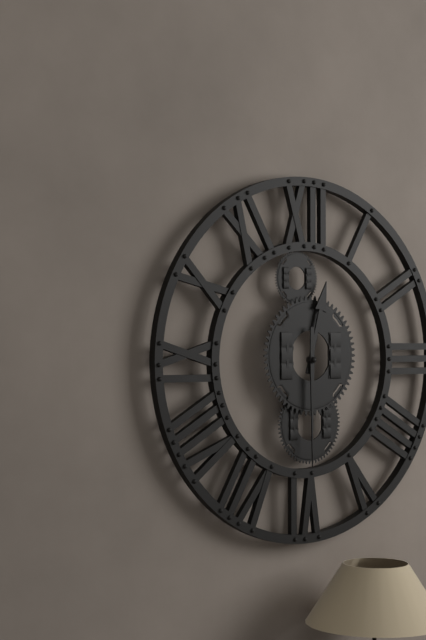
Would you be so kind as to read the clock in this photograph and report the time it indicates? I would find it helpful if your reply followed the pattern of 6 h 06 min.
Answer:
12 h 30 min
